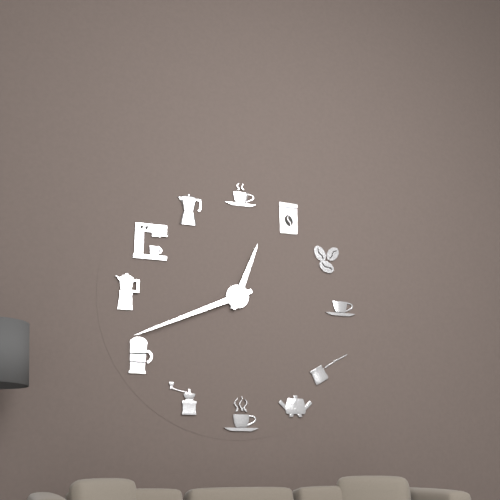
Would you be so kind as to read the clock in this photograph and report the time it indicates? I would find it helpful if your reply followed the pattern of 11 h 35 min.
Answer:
12 h 41 min
